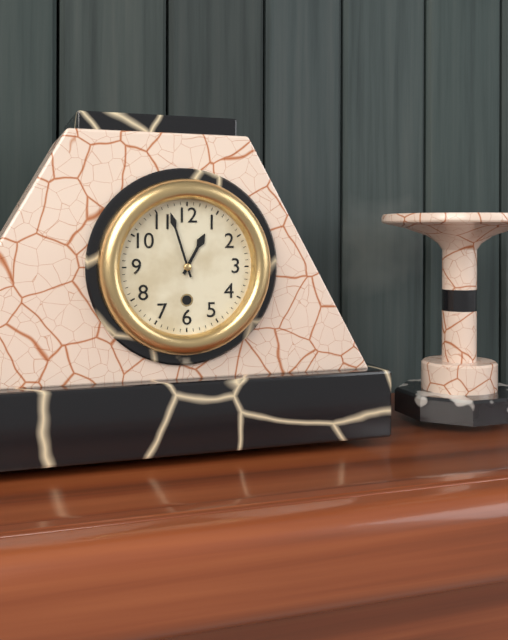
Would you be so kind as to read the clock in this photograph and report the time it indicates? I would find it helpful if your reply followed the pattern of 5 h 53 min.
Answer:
12 h 57 min
